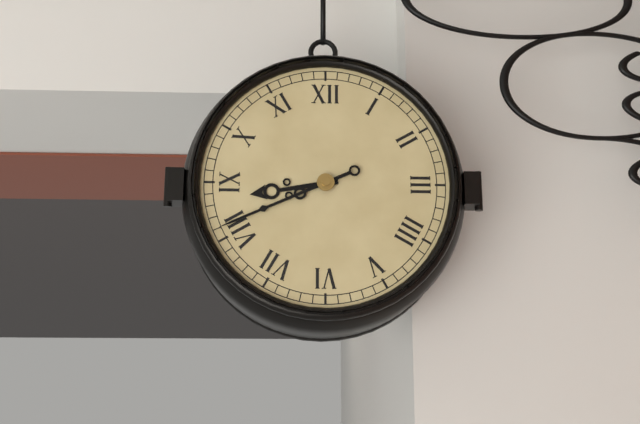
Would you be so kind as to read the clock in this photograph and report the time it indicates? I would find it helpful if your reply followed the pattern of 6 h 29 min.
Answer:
8 h 41 min
